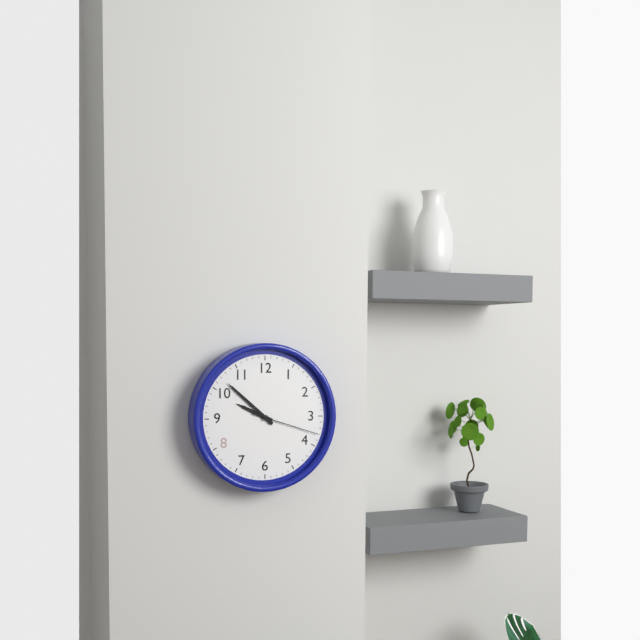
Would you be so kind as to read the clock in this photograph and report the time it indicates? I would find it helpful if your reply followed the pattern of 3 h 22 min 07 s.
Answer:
9 h 52 min 18 s
